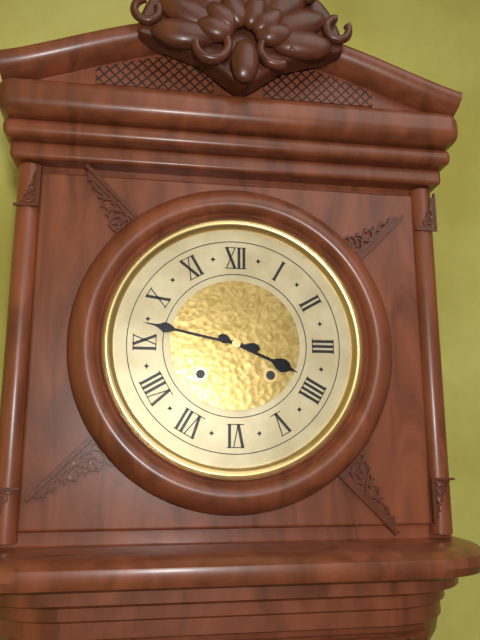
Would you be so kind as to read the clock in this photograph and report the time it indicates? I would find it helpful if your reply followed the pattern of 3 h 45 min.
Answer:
3 h 47 min
